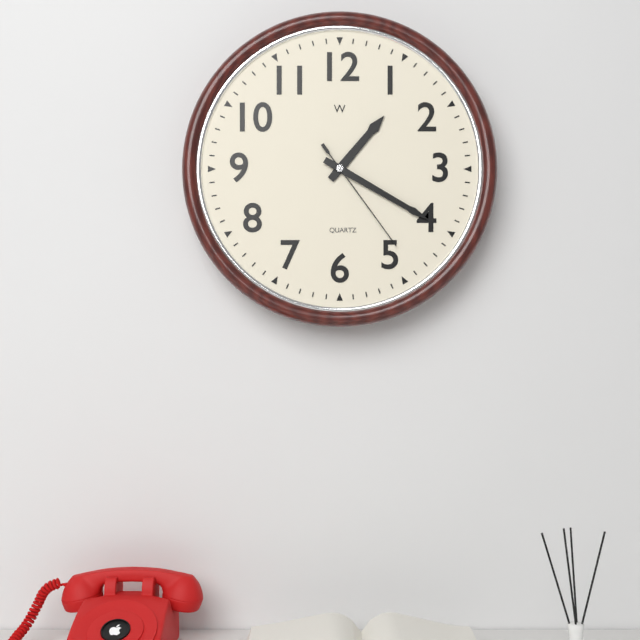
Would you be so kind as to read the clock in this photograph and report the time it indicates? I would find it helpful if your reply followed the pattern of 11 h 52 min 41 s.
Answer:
1 h 20 min 24 s
